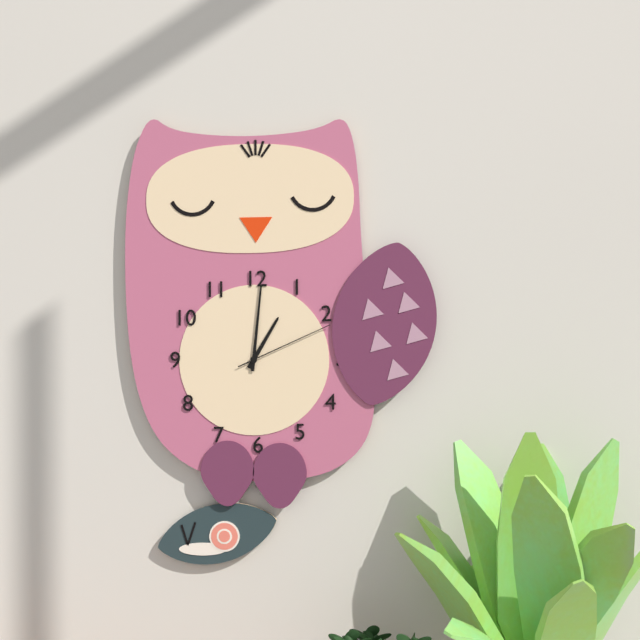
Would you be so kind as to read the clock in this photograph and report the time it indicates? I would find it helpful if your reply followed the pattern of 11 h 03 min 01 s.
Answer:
1 h 01 min 11 s
